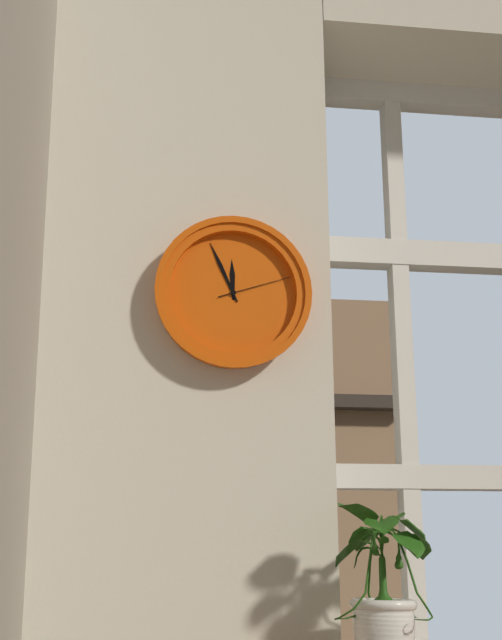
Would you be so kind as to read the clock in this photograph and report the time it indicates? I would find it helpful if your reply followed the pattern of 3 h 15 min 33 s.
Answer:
11 h 56 min 12 s
